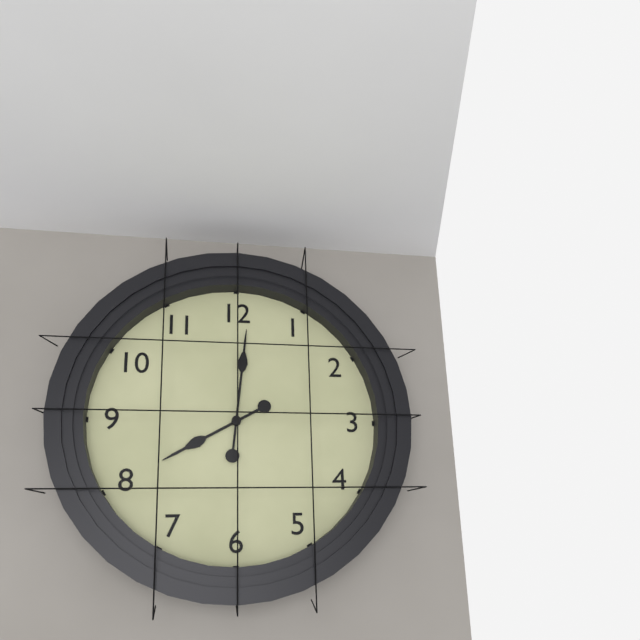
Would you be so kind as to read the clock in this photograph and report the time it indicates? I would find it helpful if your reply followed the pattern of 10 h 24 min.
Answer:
8 h 01 min
